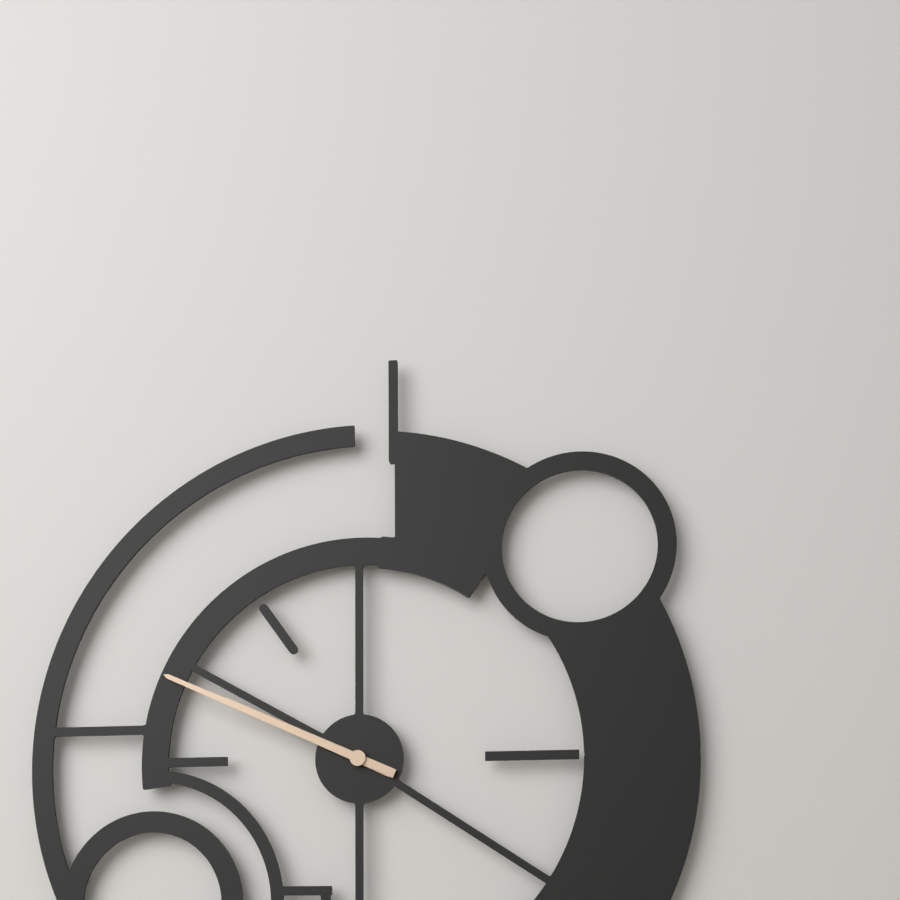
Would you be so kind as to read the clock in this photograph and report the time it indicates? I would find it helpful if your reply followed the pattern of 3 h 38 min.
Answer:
9 h 49 min
